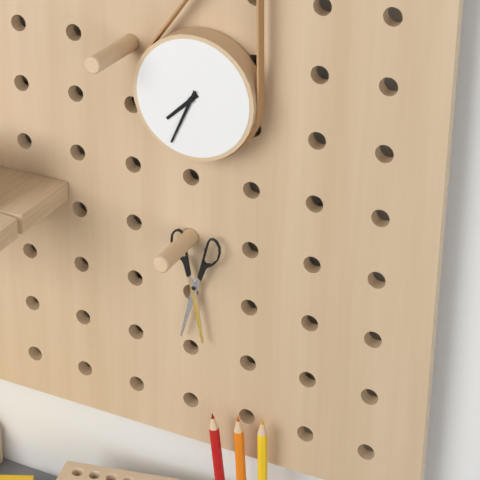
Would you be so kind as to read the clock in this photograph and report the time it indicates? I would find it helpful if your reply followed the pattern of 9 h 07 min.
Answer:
7 h 34 min
